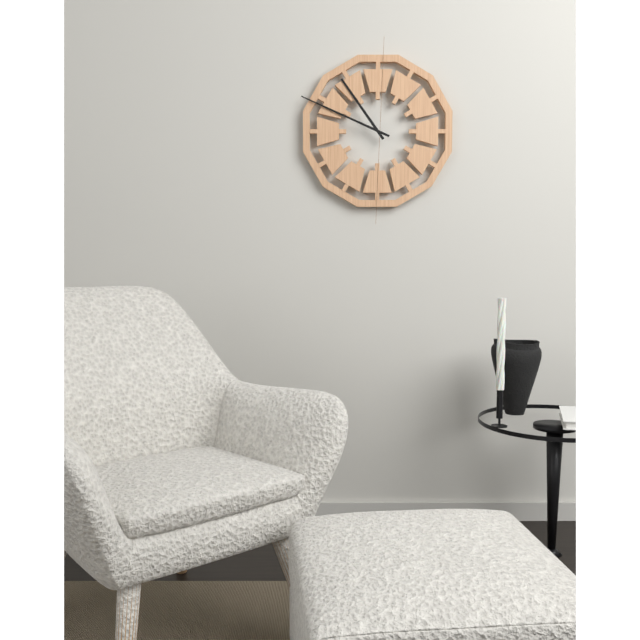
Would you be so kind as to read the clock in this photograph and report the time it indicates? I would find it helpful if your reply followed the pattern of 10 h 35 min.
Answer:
10 h 49 min
